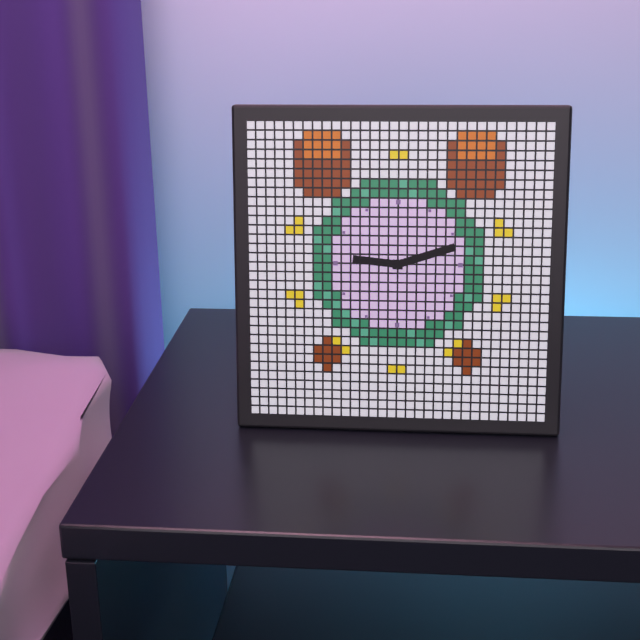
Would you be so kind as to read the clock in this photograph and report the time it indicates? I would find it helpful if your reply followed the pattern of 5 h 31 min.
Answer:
9 h 12 min
